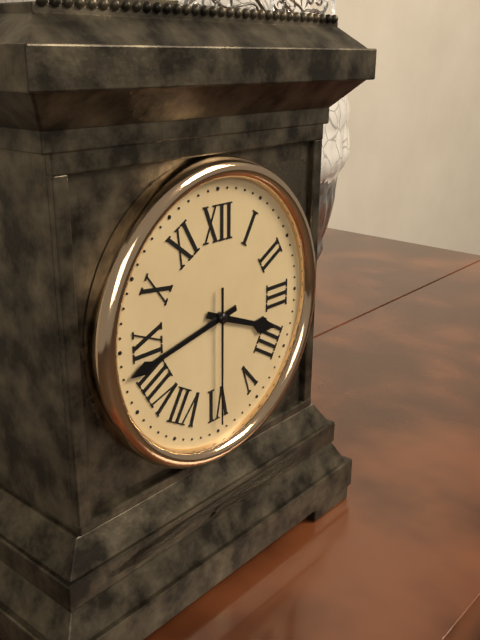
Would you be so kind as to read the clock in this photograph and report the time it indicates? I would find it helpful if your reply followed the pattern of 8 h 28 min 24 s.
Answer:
3 h 43 min 30 s
